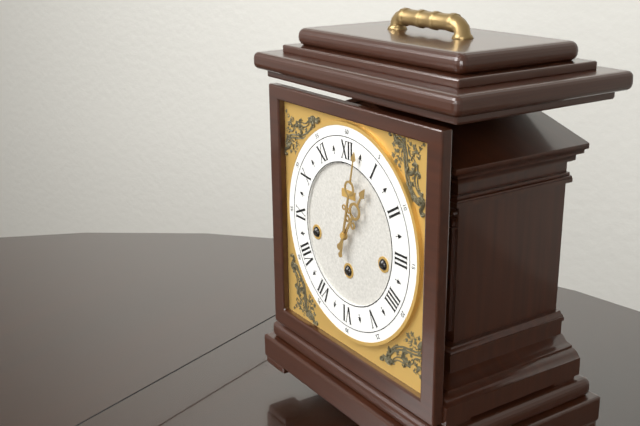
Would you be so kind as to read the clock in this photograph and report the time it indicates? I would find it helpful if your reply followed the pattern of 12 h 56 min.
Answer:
1 h 02 min
